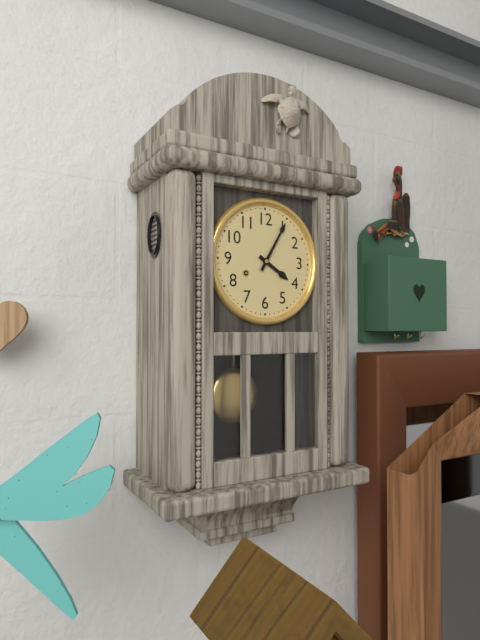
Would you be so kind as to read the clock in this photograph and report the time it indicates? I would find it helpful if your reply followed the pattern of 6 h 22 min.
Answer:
4 h 05 min
